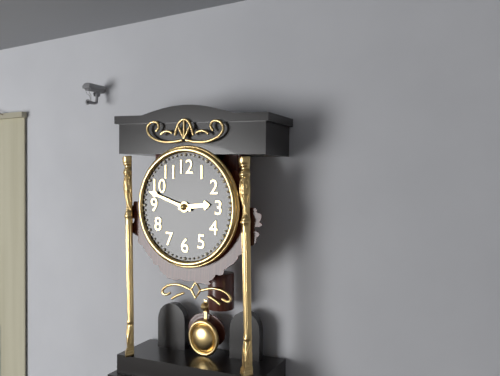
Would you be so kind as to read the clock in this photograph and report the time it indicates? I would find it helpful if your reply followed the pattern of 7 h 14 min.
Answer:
2 h 48 min
